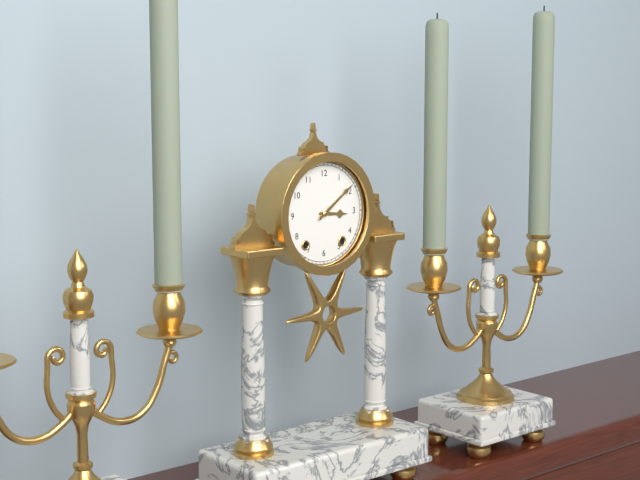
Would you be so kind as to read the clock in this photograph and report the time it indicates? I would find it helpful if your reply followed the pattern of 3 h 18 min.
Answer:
3 h 09 min
